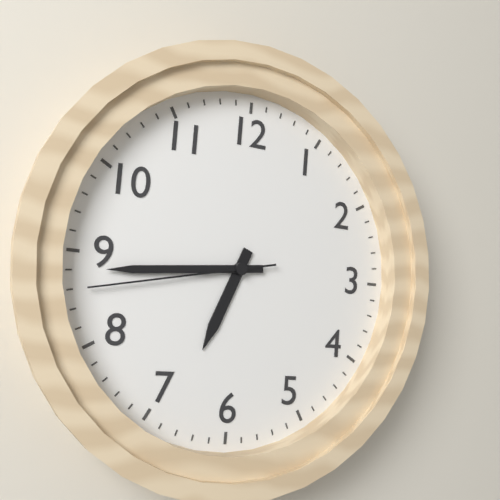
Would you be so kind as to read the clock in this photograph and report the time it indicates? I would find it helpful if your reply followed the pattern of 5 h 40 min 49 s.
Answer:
6 h 44 min 43 s
